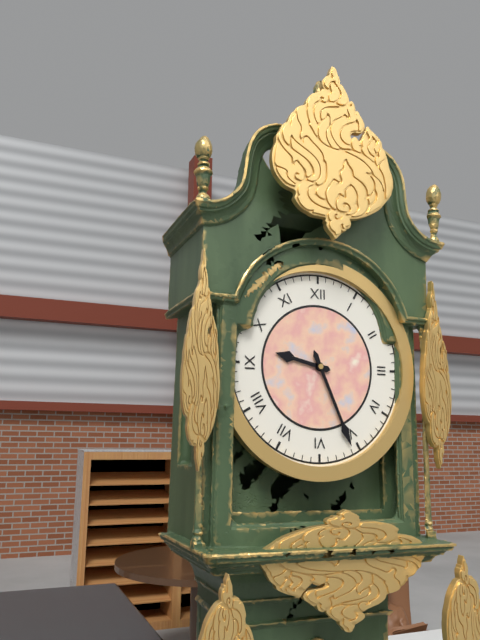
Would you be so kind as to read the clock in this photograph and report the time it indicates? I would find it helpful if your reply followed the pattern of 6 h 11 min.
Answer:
9 h 26 min
